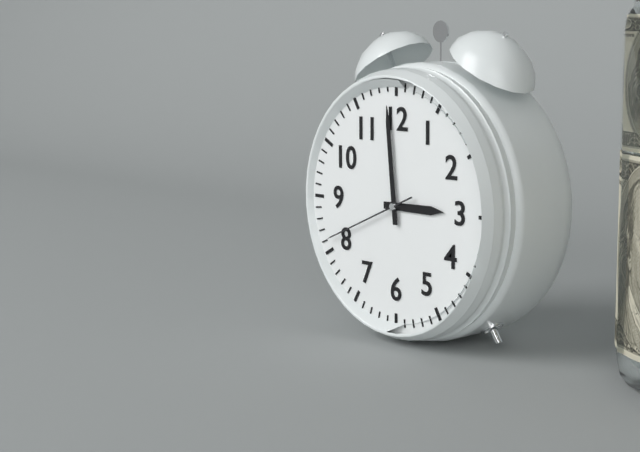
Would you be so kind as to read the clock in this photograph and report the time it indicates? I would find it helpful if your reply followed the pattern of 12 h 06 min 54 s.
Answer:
2 h 59 min 41 s
